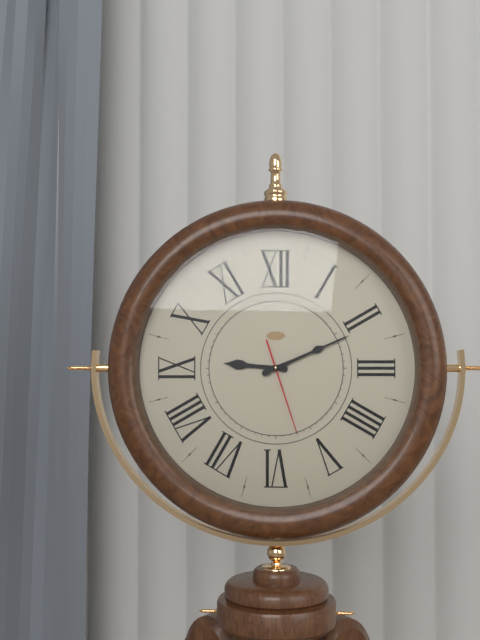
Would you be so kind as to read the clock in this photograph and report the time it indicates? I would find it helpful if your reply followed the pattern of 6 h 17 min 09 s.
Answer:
9 h 11 min 27 s
